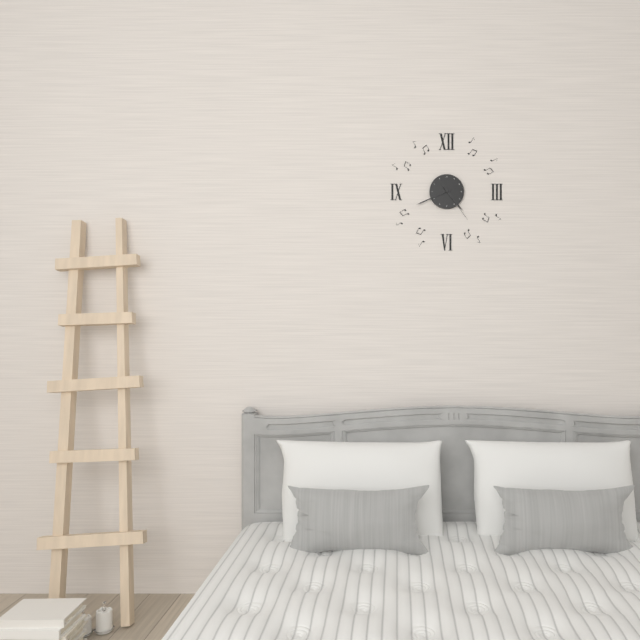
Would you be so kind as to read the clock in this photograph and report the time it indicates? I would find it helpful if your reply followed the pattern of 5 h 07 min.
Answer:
4 h 41 min
